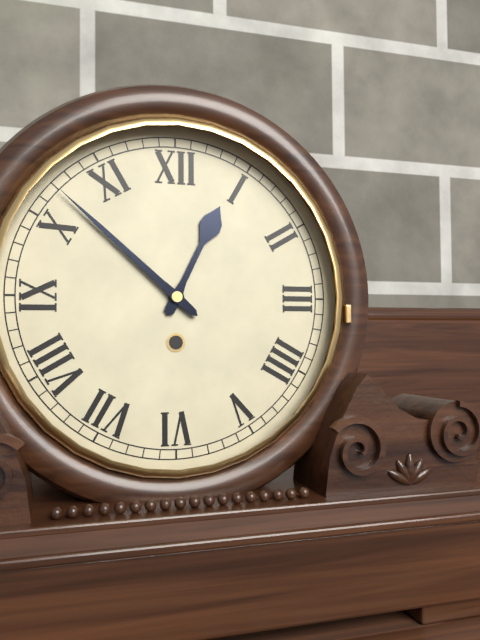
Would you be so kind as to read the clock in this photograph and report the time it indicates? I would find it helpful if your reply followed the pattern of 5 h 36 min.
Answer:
12 h 52 min
